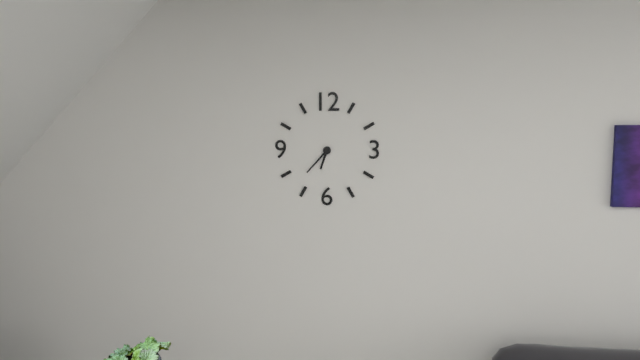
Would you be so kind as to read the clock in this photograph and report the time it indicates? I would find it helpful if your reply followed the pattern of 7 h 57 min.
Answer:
6 h 37 min
